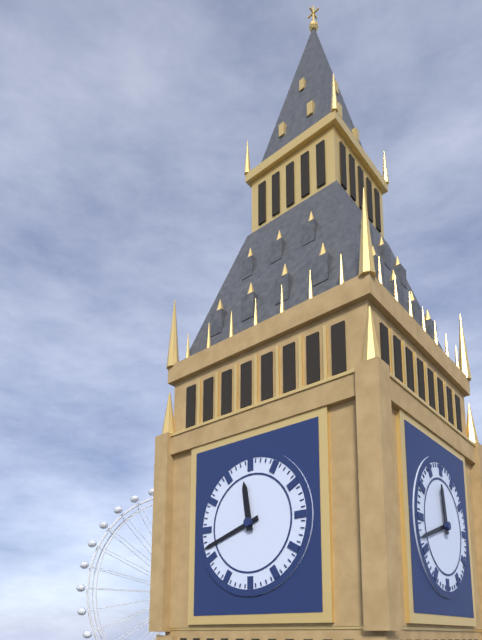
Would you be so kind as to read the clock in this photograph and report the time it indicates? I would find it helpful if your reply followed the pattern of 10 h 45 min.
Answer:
11 h 42 min
